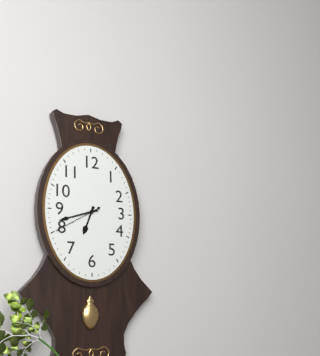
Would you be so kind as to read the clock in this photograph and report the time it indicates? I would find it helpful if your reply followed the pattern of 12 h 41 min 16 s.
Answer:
6 h 42 min 40 s
